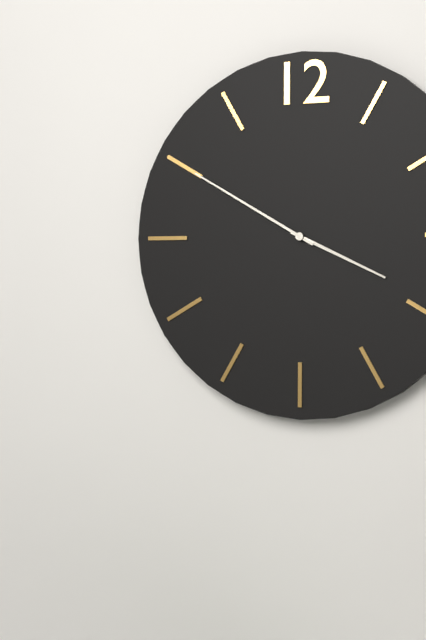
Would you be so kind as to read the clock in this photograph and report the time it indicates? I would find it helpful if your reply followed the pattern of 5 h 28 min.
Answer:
3 h 50 min
